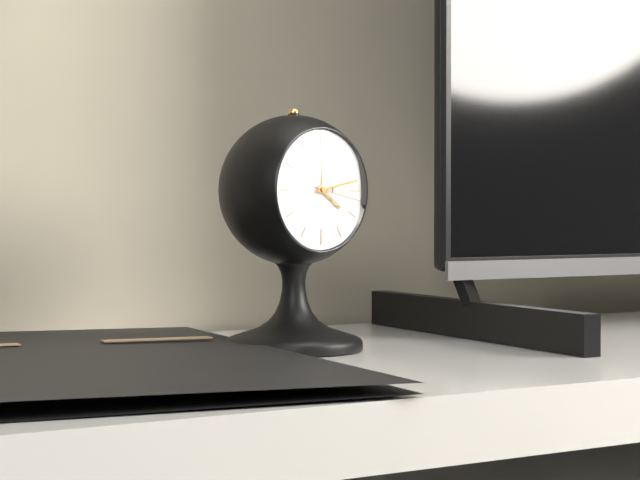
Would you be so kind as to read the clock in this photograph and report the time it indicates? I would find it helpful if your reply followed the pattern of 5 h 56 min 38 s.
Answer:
4 h 13 min 17 s
